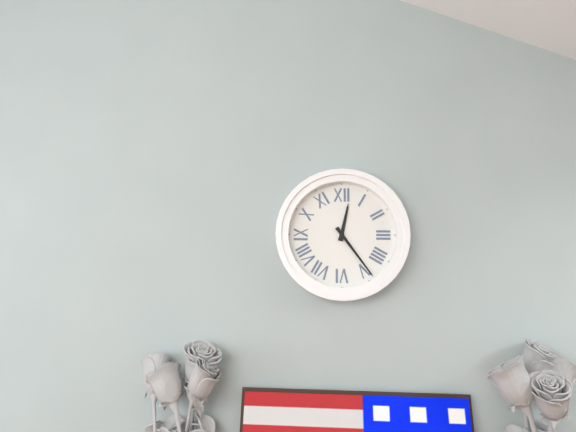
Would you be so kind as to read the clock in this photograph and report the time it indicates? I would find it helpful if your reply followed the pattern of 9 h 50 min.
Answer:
12 h 24 min
